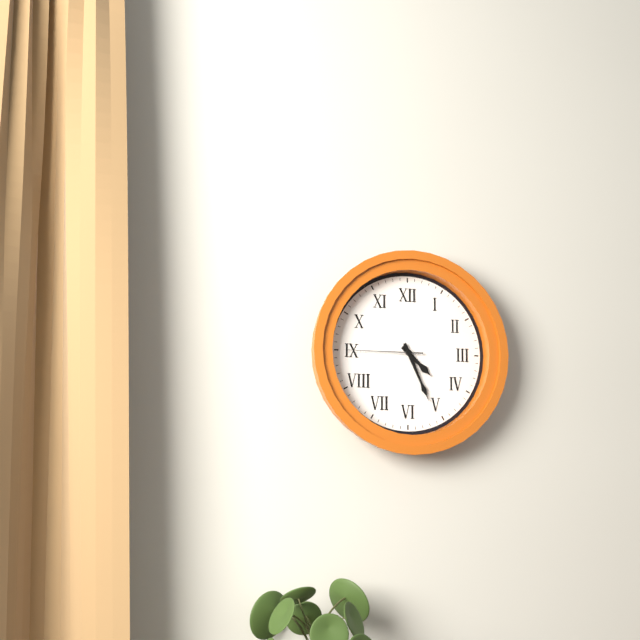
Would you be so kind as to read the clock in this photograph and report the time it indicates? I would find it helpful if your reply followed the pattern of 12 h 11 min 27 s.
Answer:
4 h 26 min 45 s
